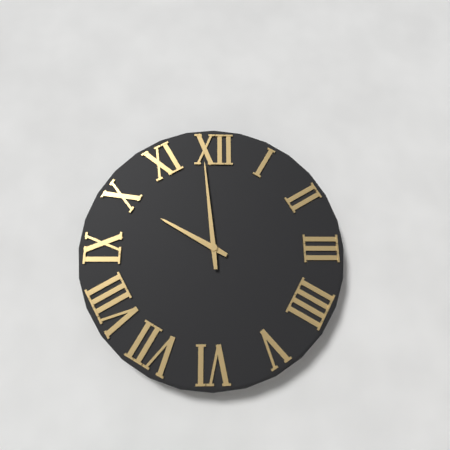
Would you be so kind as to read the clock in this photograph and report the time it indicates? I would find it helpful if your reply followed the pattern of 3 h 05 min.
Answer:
9 h 59 min
